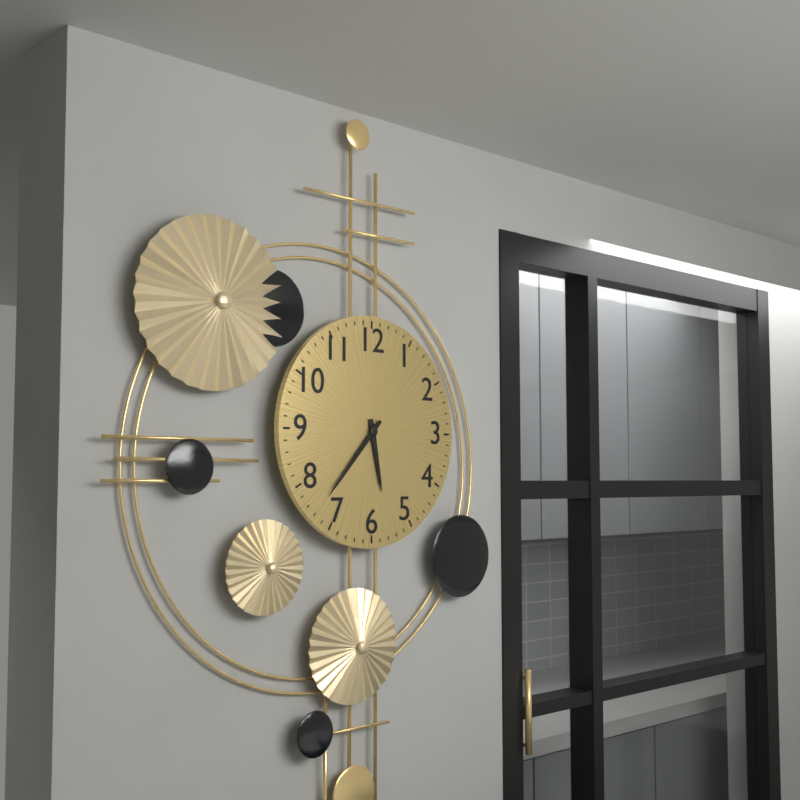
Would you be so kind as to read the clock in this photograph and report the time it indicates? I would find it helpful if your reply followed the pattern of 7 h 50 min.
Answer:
5 h 37 min
